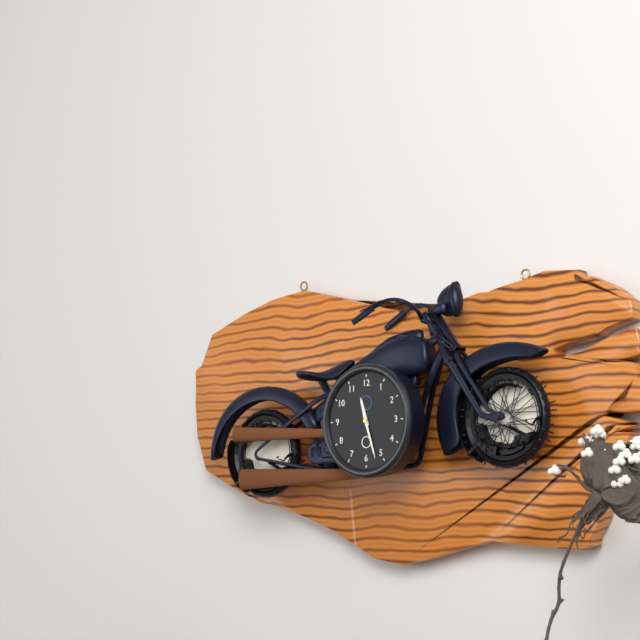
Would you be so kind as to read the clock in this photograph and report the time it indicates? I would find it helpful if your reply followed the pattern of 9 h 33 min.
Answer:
11 h 27 min
